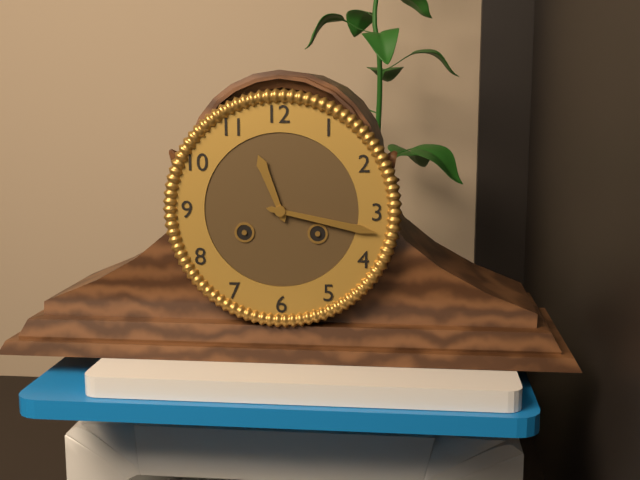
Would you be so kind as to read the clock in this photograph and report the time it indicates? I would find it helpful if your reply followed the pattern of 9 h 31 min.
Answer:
11 h 17 min
